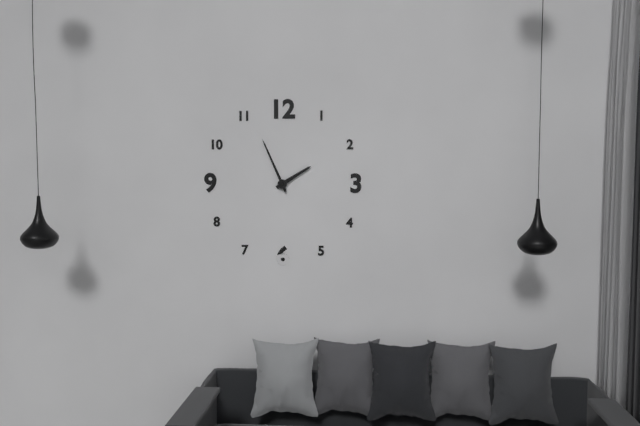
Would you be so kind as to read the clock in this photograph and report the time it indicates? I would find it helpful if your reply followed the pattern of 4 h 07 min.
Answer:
1 h 56 min
